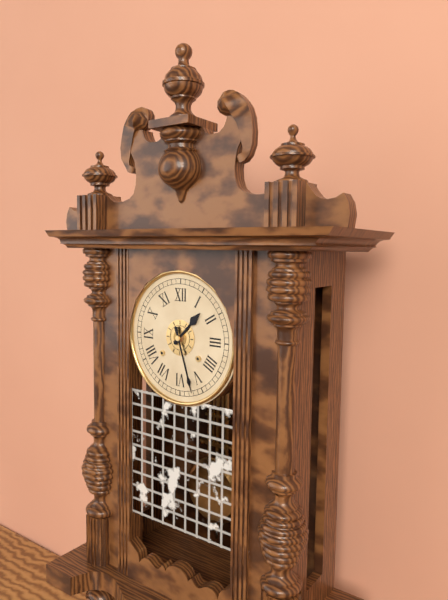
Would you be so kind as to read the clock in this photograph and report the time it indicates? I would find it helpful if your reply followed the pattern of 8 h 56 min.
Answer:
1 h 27 min
